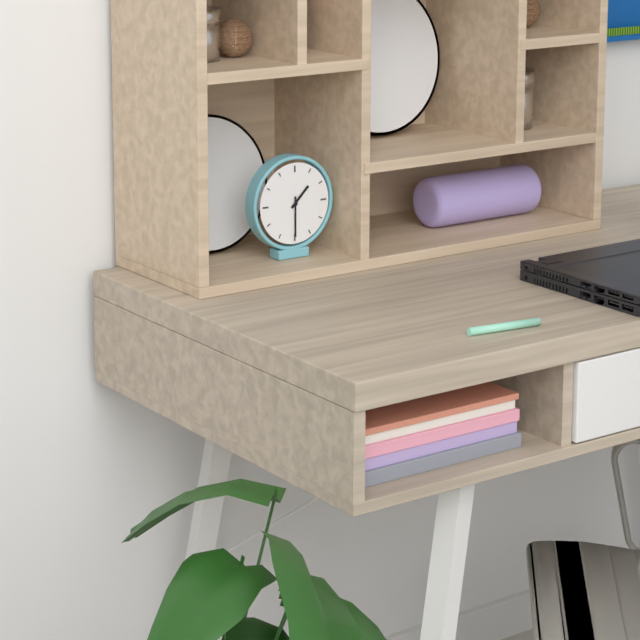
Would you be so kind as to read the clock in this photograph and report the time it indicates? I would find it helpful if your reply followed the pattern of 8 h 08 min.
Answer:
1 h 30 min
